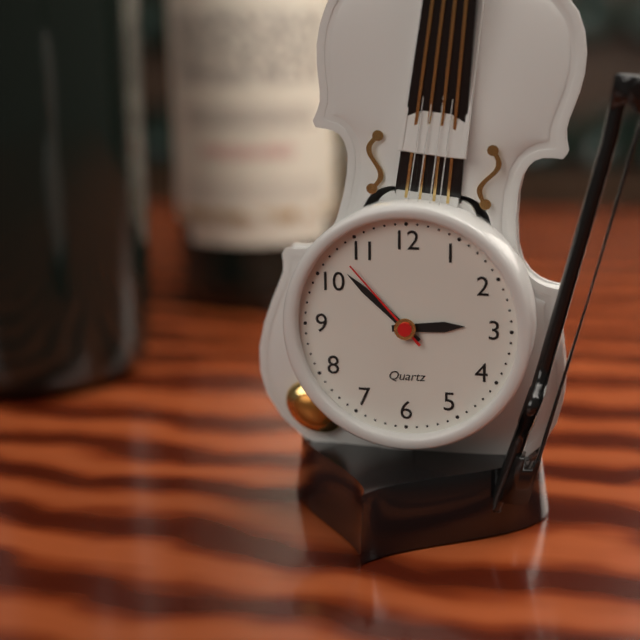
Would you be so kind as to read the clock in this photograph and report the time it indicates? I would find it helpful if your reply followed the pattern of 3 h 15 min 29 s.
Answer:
2 h 52 min 53 s
